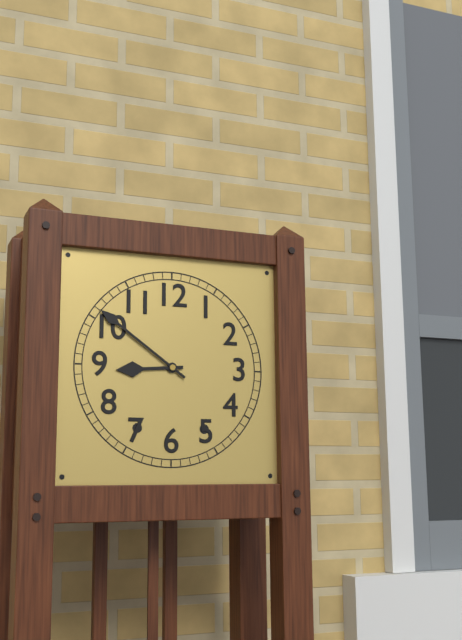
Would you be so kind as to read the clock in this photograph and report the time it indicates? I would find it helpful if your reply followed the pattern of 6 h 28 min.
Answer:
8 h 51 min
